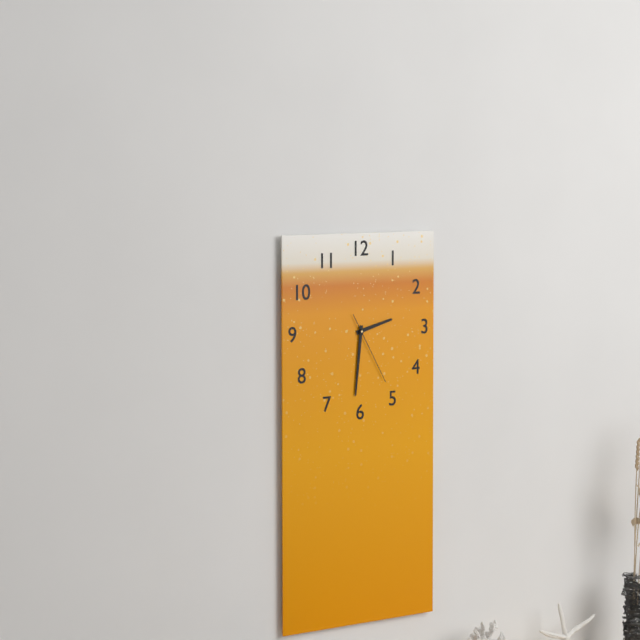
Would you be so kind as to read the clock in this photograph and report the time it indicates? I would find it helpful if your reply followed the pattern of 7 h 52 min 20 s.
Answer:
2 h 31 min 25 s
